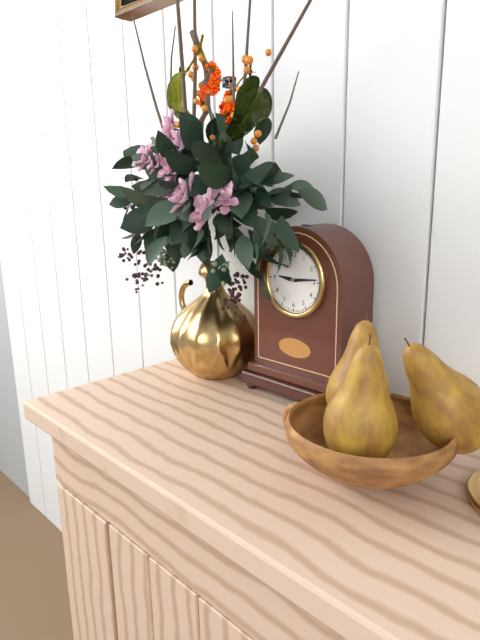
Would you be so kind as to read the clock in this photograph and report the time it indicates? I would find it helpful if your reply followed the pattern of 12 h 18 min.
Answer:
9 h 14 min
